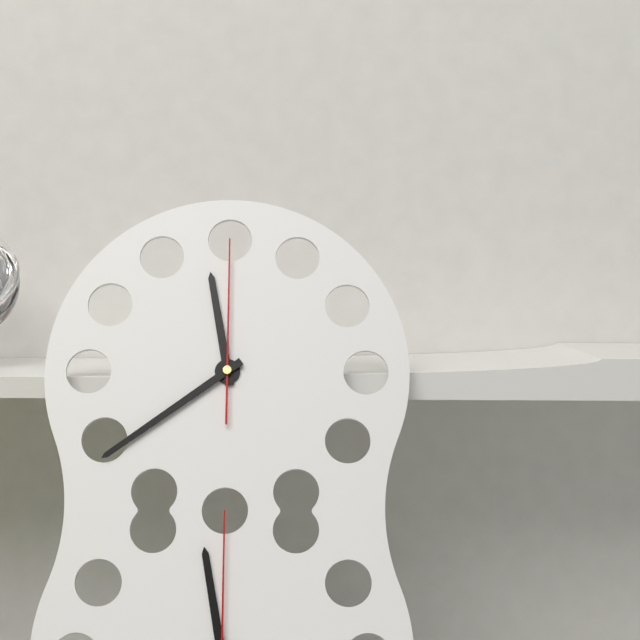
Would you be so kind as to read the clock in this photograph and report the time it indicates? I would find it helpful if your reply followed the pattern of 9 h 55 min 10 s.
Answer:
11 h 39 min 00 s
